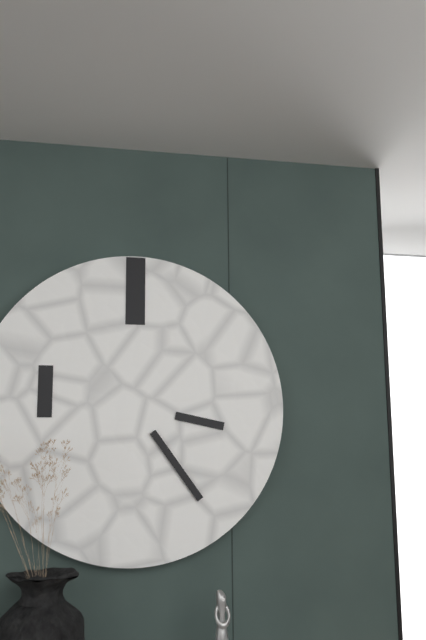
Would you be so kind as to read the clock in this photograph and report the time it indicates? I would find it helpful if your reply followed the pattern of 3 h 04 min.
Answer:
3 h 24 min
